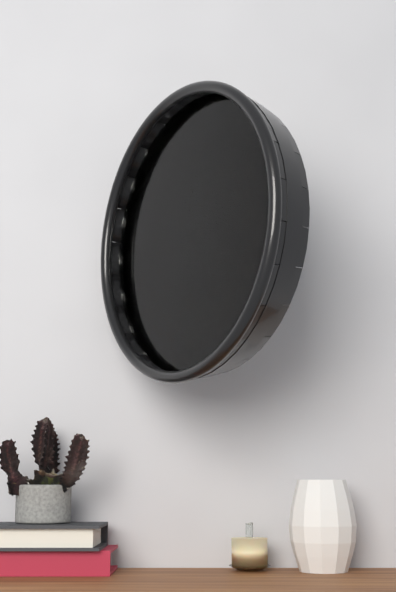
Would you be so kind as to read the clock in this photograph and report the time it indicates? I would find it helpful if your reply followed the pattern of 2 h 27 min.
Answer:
9 h 04 min
